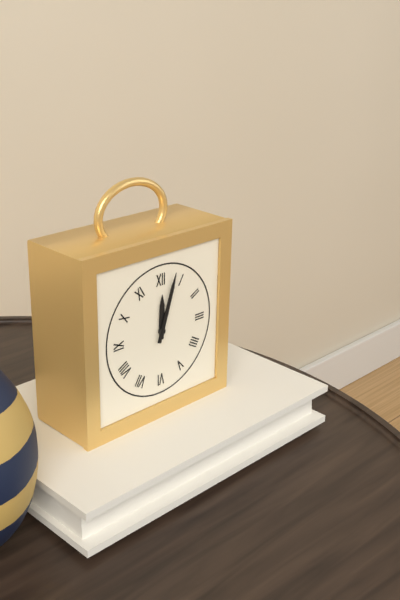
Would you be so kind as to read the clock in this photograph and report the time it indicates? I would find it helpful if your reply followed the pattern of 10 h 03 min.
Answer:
12 h 03 min
